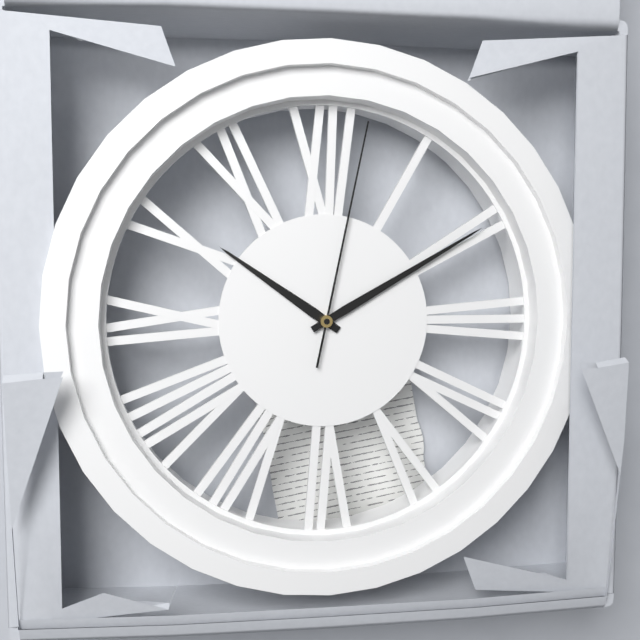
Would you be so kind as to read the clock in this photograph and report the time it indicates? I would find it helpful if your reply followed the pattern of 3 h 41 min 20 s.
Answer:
10 h 10 min 02 s
